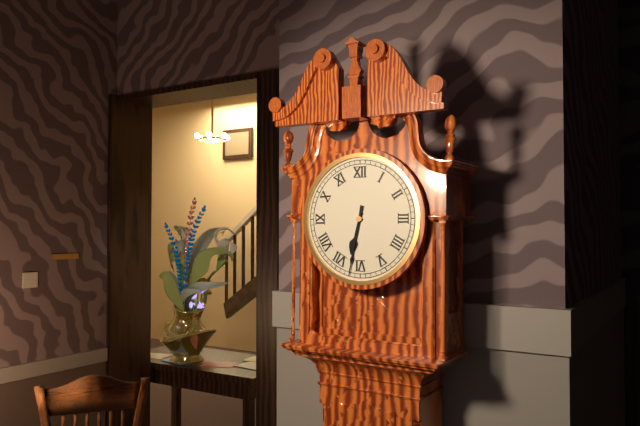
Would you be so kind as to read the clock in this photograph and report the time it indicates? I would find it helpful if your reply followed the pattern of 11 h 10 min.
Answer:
6 h 32 min
